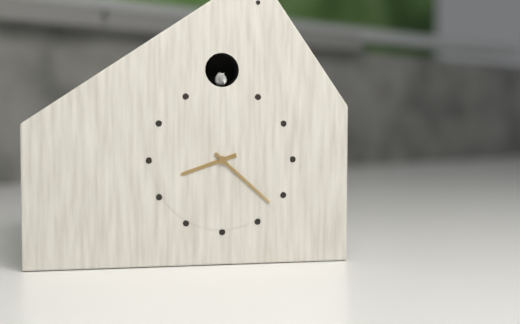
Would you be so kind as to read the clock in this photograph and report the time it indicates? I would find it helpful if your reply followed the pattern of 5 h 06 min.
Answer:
8 h 22 min
